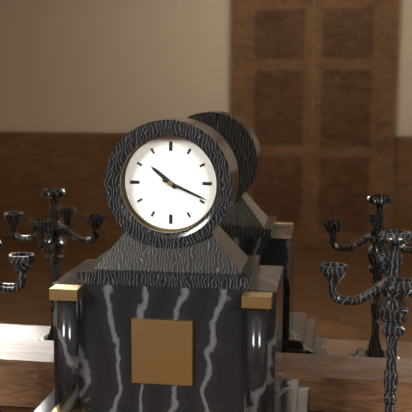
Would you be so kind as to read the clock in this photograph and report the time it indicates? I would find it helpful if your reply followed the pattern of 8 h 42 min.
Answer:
10 h 19 min
